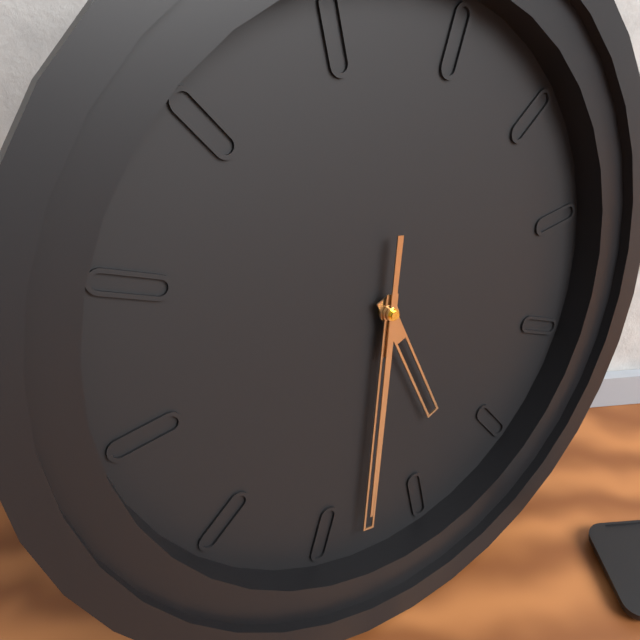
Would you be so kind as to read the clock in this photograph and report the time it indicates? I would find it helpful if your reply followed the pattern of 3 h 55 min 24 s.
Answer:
5 h 33 min 33 s
